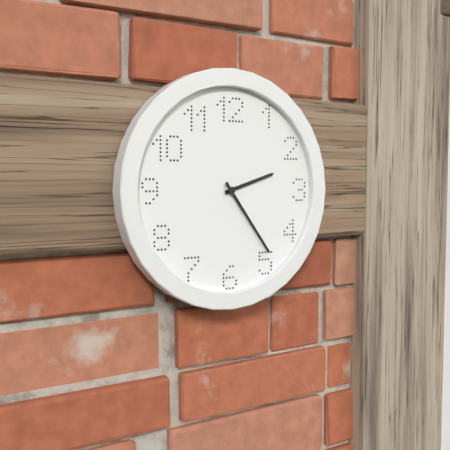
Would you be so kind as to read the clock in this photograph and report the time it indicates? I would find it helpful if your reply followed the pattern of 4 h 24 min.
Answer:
2 h 24 min
